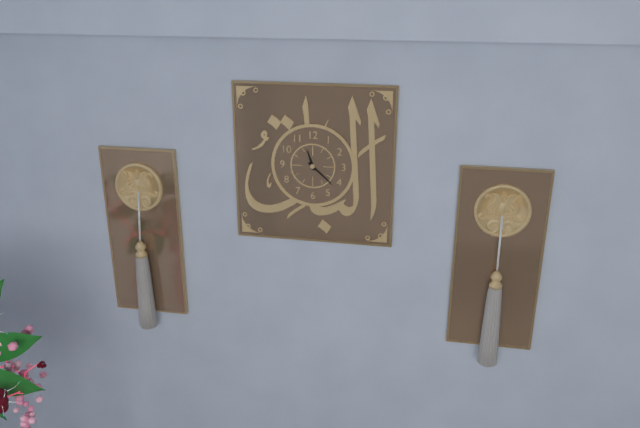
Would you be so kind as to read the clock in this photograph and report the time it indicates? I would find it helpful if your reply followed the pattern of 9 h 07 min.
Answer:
11 h 22 min
